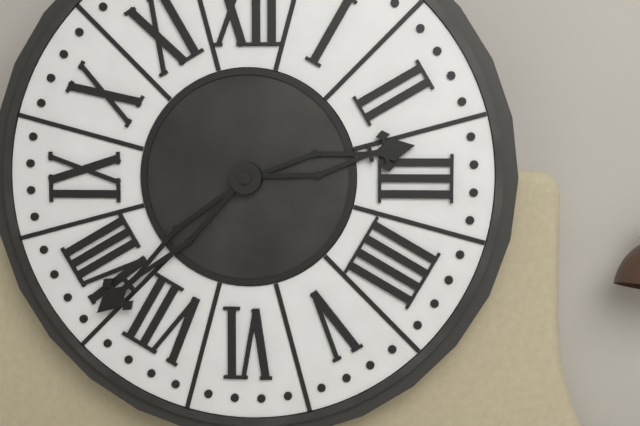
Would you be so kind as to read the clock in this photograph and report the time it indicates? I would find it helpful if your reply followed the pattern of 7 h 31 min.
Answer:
2 h 38 min
